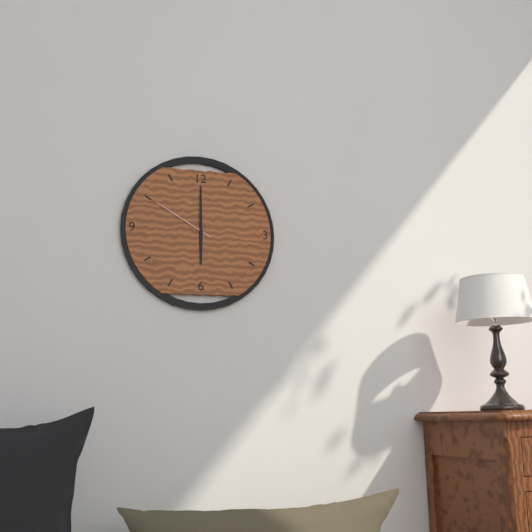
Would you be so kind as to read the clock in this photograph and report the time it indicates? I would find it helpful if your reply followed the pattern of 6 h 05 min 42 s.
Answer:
6 h 00 min 50 s
